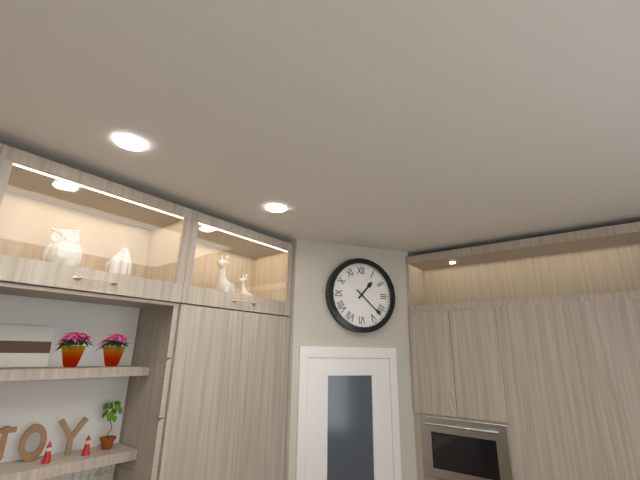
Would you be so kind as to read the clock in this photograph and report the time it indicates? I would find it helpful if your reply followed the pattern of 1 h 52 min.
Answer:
1 h 22 min
